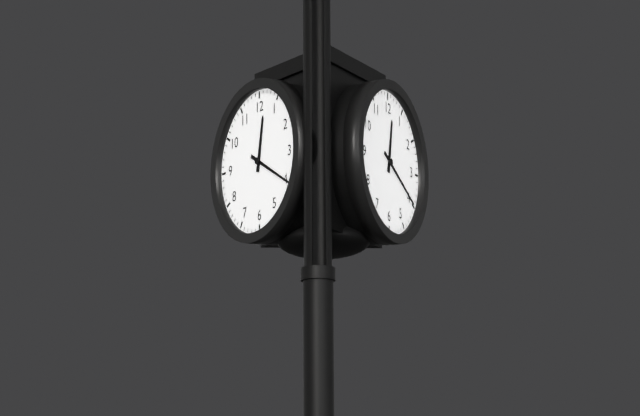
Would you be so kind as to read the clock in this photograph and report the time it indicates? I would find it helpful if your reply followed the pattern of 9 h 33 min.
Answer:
12 h 20 min
